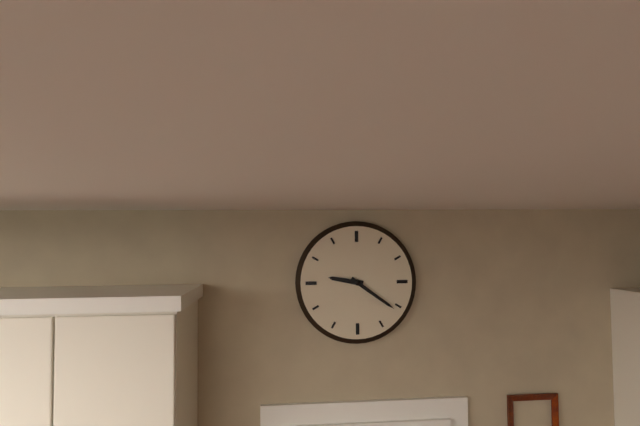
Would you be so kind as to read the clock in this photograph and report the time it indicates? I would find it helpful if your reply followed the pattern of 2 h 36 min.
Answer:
9 h 21 min
